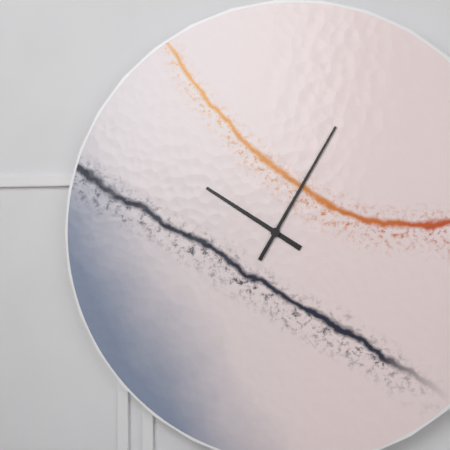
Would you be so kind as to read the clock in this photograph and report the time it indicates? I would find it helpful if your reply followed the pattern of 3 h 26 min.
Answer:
10 h 05 min
